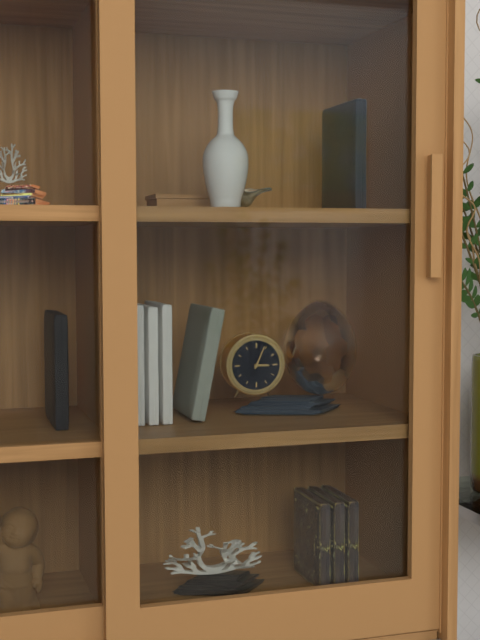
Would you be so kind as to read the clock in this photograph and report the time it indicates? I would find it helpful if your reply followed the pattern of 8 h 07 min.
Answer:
3 h 04 min
